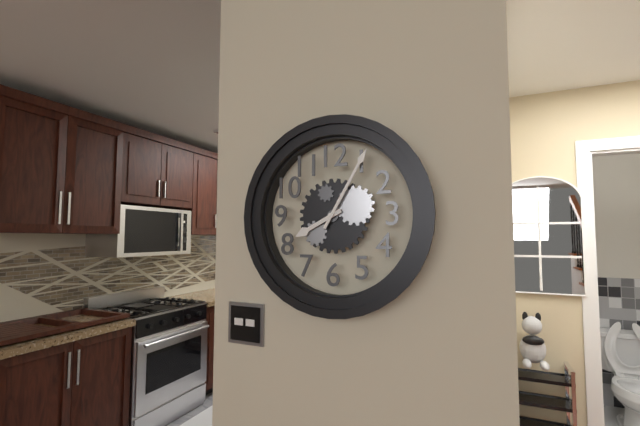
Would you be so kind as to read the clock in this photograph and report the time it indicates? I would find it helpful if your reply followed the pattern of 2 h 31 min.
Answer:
8 h 05 min
